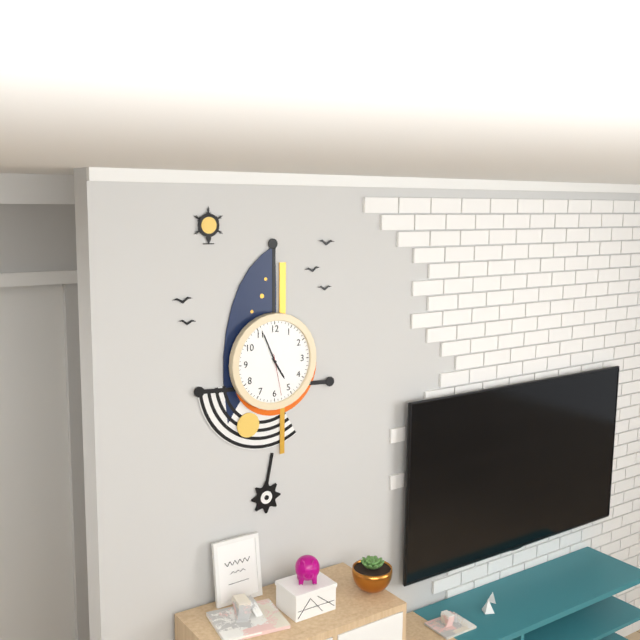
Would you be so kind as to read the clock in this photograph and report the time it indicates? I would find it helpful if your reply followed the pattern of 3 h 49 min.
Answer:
4 h 56 min
